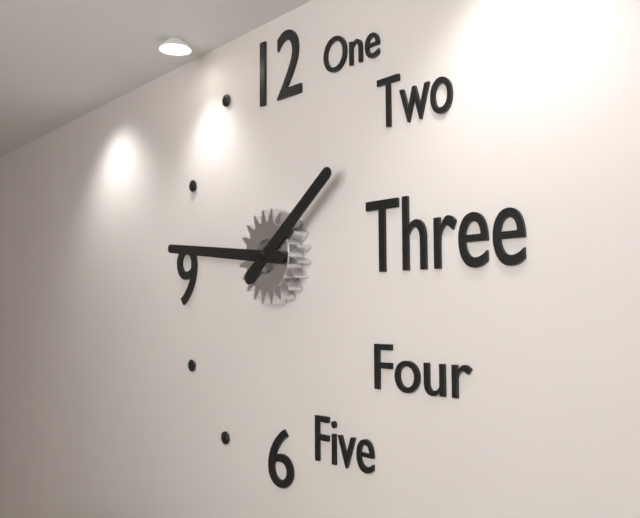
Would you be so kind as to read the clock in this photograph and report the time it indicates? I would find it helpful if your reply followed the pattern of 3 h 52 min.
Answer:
1 h 46 min
